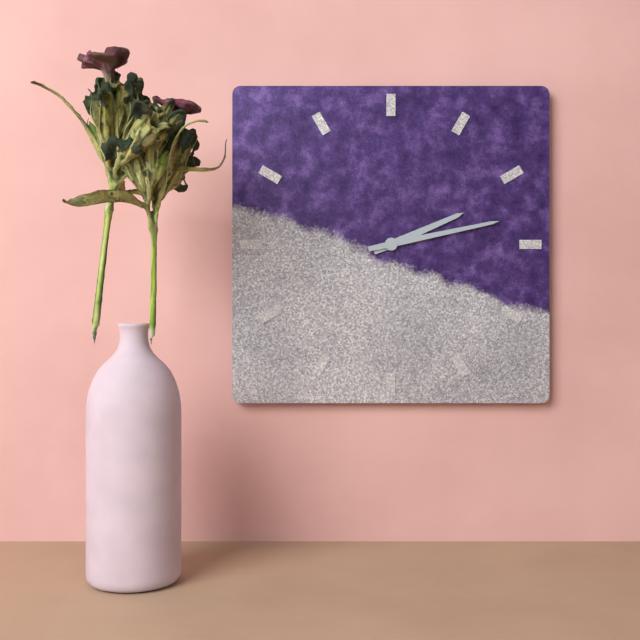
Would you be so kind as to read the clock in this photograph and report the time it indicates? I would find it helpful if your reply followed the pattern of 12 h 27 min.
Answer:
2 h 13 min
